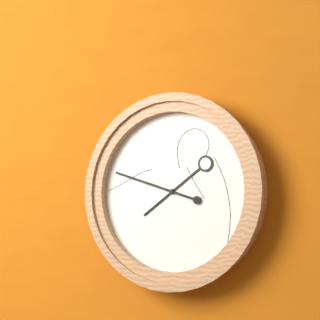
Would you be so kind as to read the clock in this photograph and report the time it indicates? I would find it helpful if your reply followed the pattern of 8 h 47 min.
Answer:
7 h 48 min
